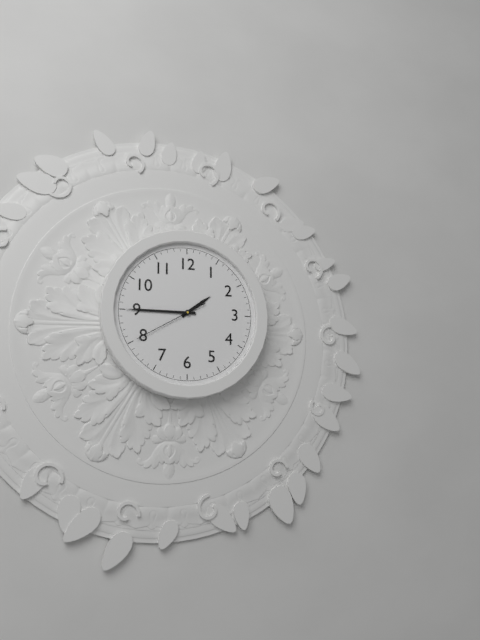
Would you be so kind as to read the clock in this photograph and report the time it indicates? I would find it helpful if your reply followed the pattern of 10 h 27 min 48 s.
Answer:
1 h 45 min 40 s
